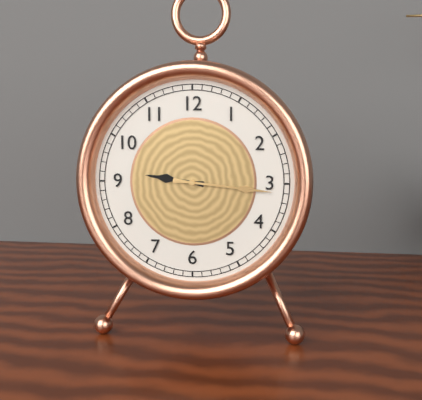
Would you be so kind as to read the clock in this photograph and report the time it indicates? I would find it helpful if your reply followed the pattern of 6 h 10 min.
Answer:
9 h 16 min
